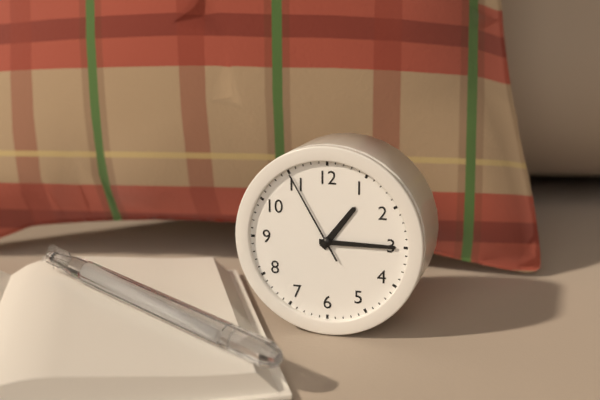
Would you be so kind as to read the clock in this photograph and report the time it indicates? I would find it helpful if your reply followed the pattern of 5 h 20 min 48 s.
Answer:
1 h 15 min 55 s
